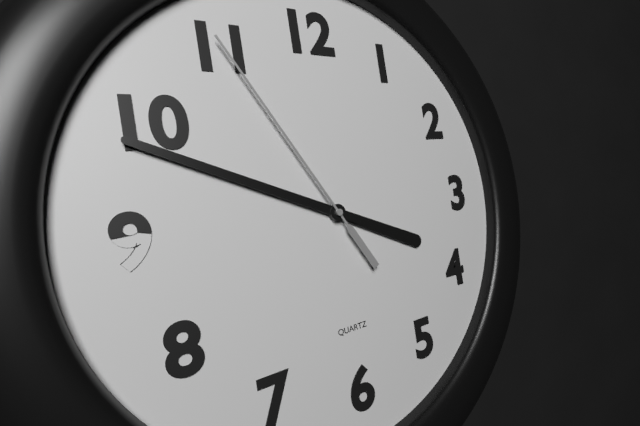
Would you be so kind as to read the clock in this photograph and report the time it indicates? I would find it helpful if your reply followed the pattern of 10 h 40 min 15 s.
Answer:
3 h 49 min 55 s
